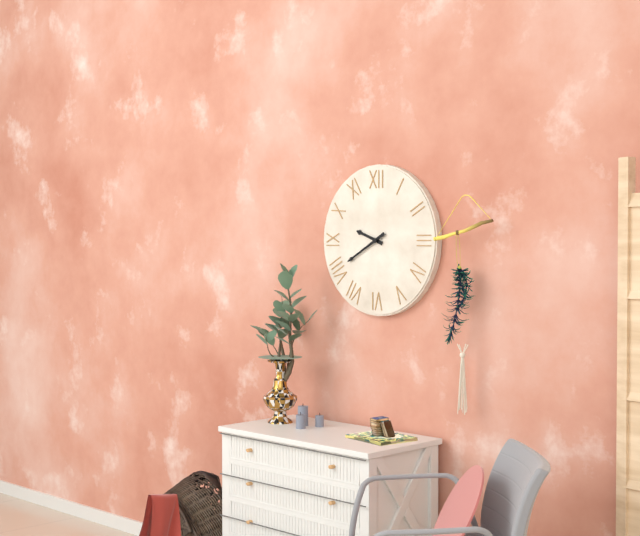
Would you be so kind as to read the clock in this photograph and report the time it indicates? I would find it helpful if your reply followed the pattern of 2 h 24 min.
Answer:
9 h 40 min
